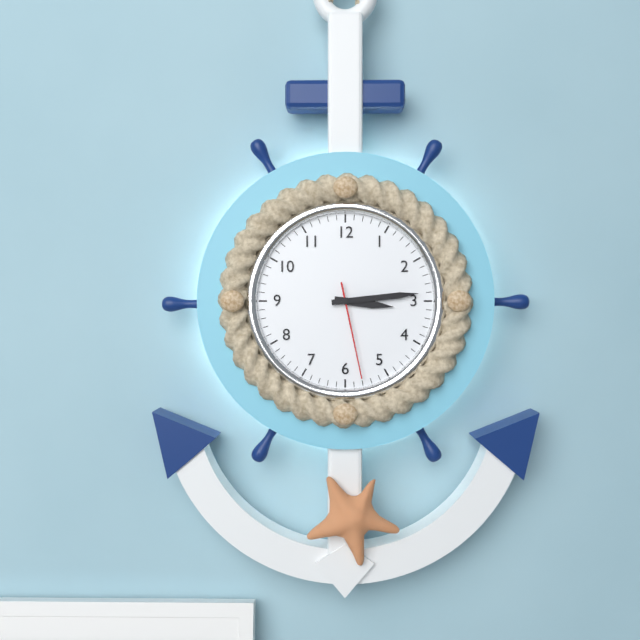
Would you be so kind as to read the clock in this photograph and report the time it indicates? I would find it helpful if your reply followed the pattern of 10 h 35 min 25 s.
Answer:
3 h 14 min 28 s
